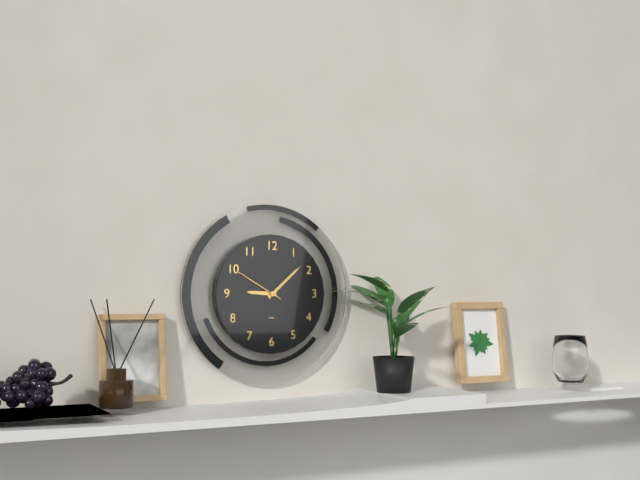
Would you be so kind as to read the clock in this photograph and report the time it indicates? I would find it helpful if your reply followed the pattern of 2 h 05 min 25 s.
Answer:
9 h 08 min 50 s
